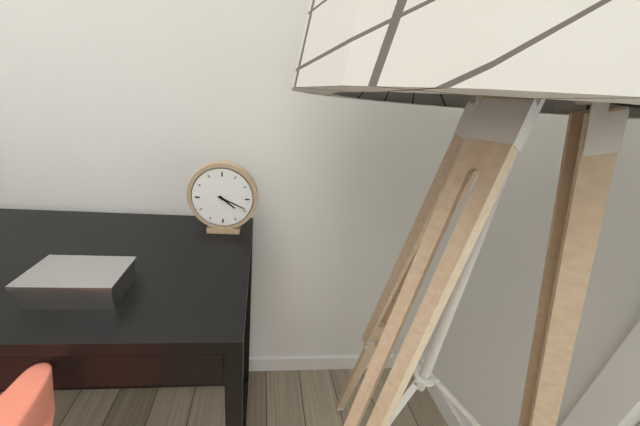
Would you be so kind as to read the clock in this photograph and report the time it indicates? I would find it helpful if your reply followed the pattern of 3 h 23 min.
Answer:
4 h 19 min
